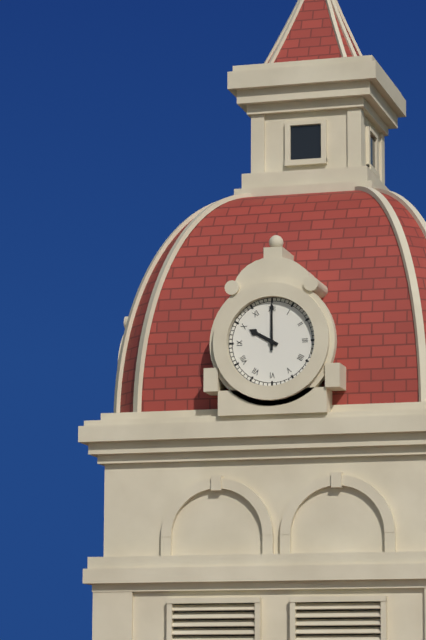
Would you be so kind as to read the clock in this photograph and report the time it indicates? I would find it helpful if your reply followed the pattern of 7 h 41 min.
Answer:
10 h 00 min
